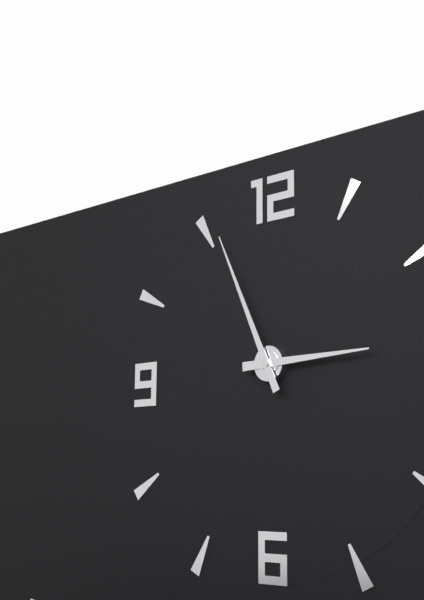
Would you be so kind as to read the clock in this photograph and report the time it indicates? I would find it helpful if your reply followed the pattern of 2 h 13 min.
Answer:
2 h 56 min
